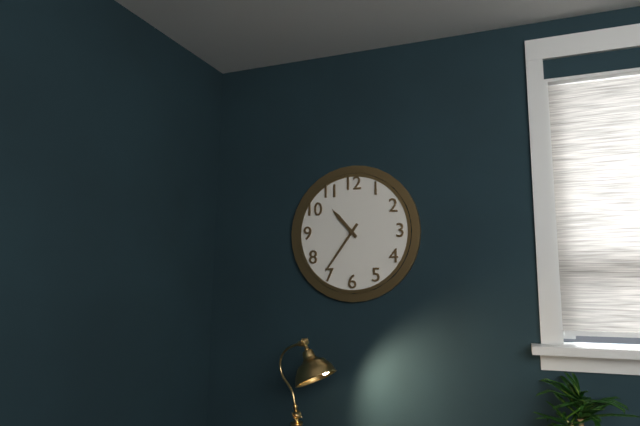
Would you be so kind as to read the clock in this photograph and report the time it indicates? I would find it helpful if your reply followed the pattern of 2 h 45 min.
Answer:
10 h 36 min
